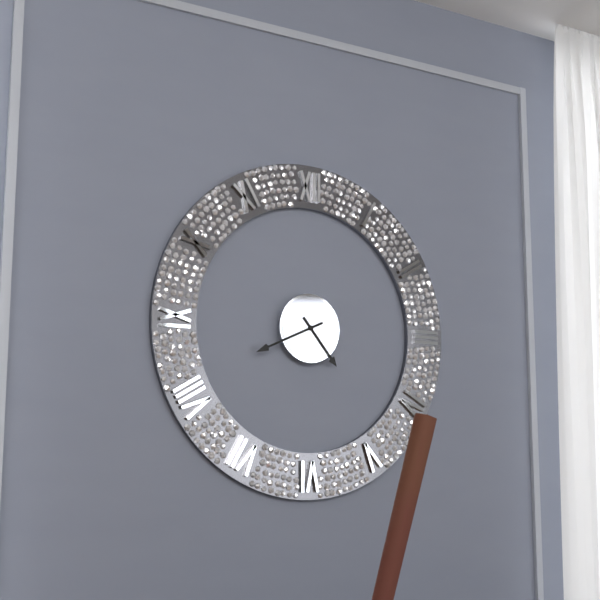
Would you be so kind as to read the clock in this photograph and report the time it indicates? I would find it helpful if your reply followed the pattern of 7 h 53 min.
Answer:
4 h 41 min
